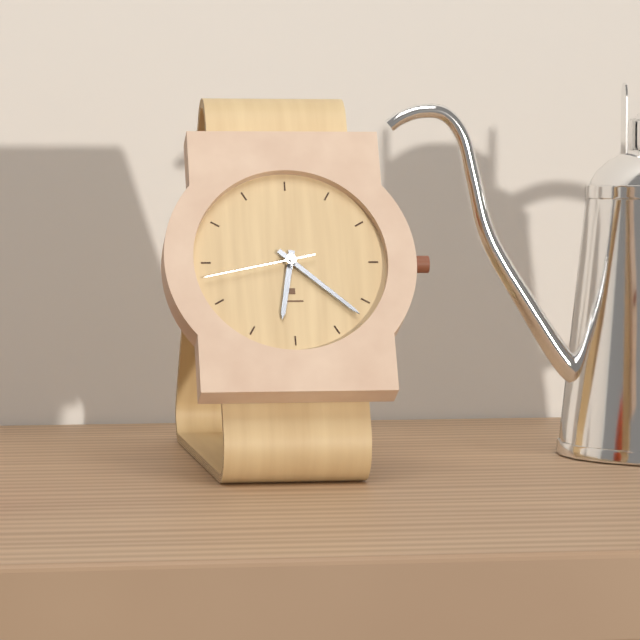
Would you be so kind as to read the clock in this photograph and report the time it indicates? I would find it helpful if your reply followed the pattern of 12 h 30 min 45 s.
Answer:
6 h 22 min 43 s
